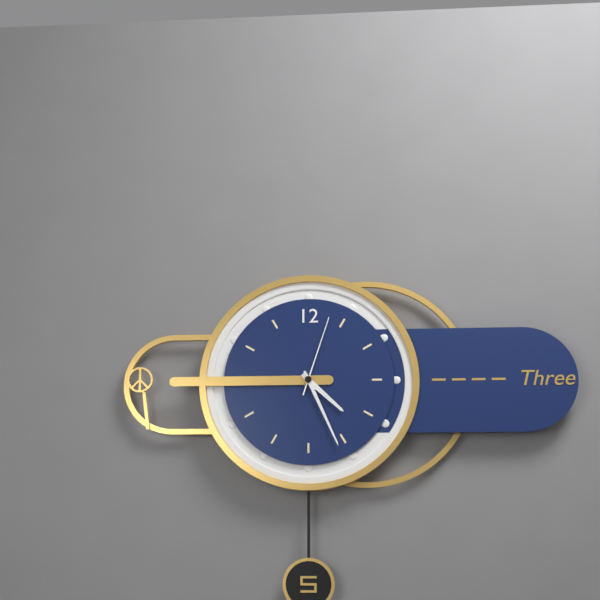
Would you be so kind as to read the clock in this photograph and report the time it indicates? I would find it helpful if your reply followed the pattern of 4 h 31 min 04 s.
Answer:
4 h 26 min 03 s
